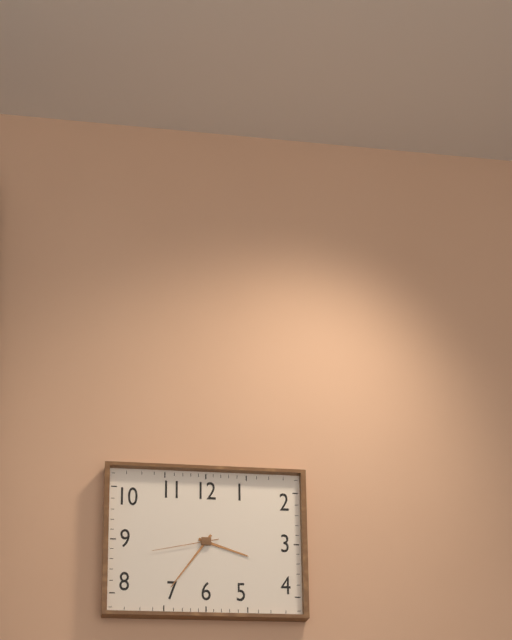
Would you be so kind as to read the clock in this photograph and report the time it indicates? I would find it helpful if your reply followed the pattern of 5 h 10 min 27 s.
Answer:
3 h 36 min 43 s
